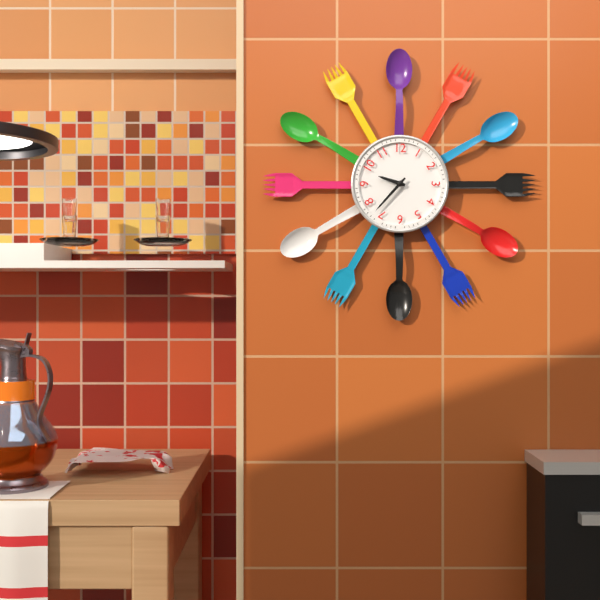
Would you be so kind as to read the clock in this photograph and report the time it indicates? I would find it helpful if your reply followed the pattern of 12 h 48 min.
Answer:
9 h 37 min
